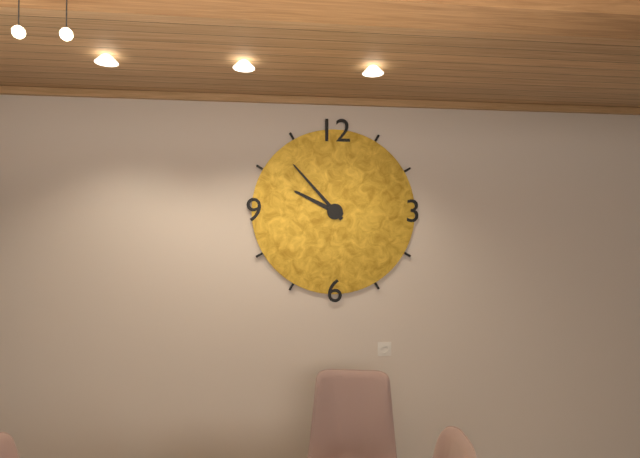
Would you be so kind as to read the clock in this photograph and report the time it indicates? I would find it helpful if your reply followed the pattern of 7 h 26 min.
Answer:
9 h 53 min
